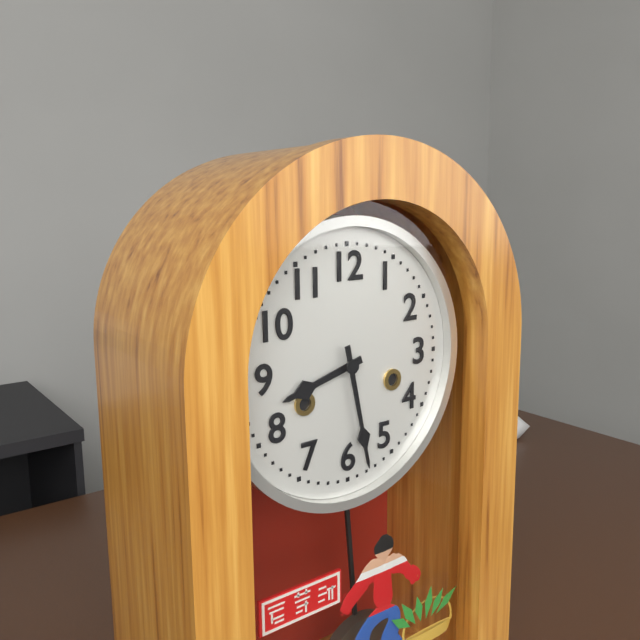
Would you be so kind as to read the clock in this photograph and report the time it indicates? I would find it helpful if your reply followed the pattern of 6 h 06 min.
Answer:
8 h 28 min
